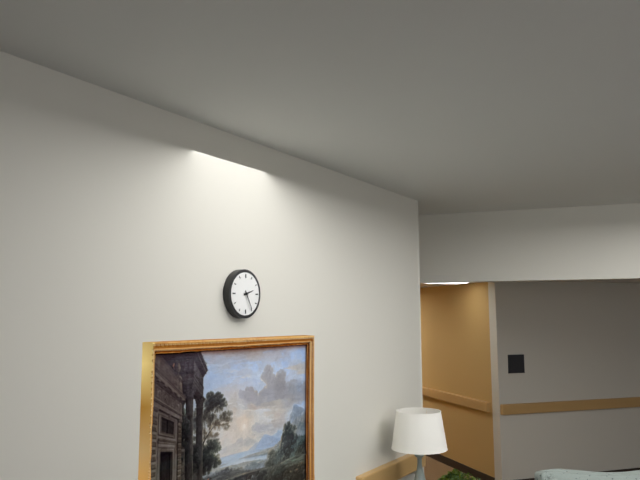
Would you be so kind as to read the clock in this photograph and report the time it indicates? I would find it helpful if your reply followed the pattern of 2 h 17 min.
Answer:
2 h 25 min
